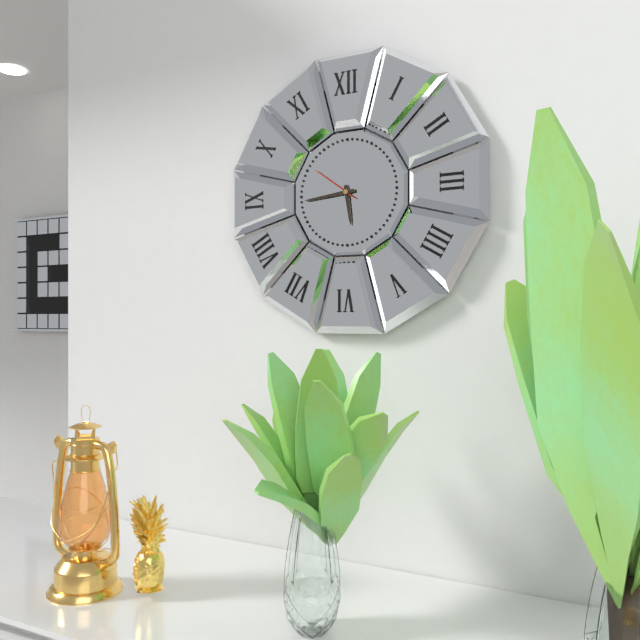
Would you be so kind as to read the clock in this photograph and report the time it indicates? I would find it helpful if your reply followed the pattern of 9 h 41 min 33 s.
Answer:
5 h 44 min 51 s
